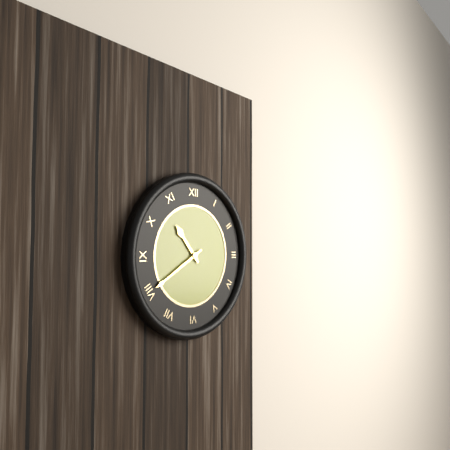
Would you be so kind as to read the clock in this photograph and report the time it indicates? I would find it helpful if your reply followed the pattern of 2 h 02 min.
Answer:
10 h 40 min
